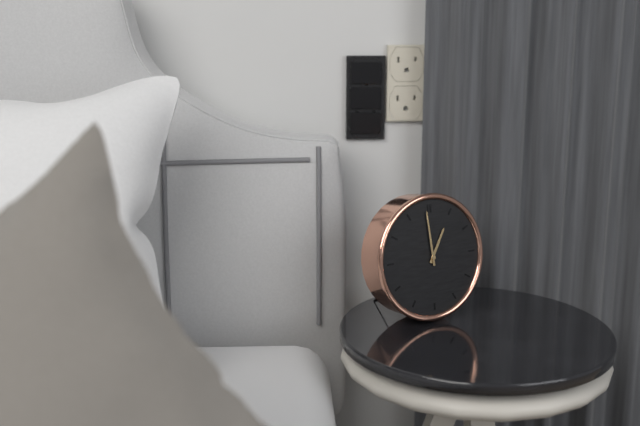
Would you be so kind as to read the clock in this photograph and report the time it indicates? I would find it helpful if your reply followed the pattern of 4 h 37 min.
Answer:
12 h 59 min
